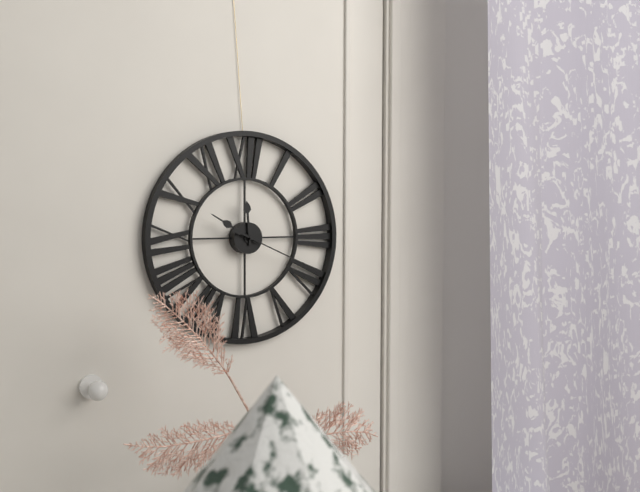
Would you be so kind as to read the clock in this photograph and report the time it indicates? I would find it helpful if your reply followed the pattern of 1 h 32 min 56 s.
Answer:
11 h 50 min 19 s
